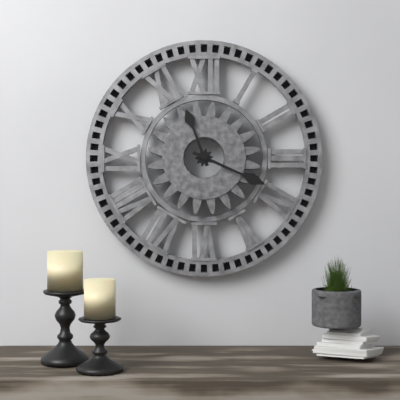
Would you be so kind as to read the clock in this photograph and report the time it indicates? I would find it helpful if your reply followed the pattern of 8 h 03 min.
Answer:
11 h 19 min
